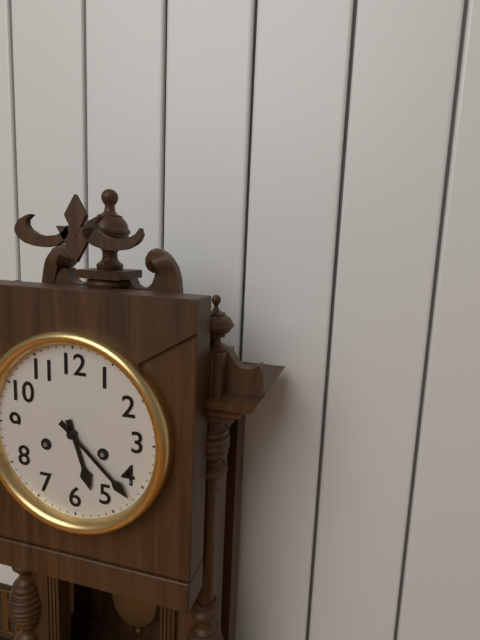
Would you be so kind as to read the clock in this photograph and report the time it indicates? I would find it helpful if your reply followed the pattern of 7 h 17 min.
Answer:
5 h 22 min
